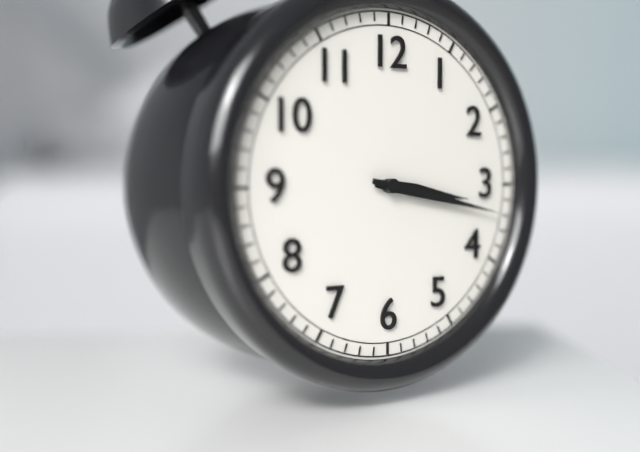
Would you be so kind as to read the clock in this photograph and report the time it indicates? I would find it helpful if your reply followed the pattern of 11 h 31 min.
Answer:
3 h 17 min
